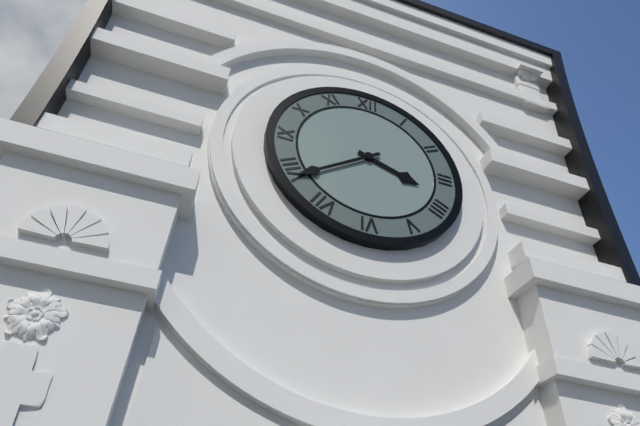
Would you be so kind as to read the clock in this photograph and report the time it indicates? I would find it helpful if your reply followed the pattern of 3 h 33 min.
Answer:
3 h 39 min
